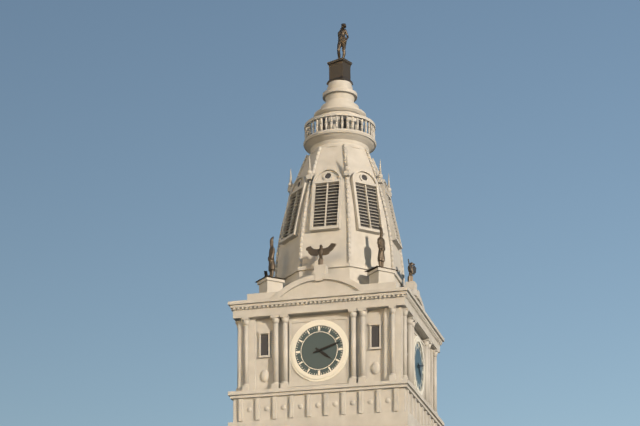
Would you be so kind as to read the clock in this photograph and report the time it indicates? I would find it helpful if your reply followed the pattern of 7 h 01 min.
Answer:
4 h 12 min
